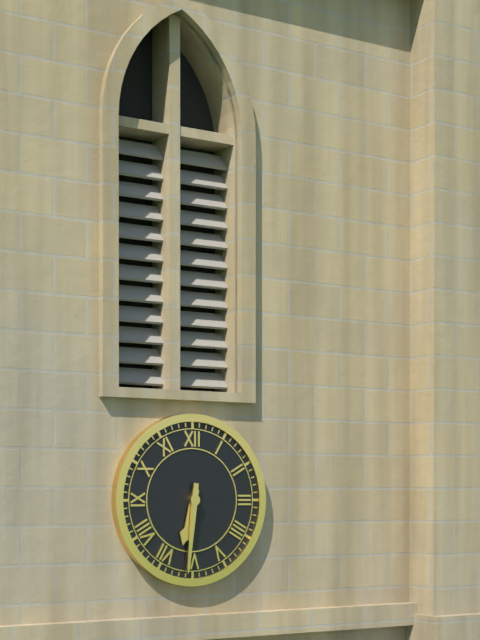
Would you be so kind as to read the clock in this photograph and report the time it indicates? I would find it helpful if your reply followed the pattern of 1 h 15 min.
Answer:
6 h 31 min
